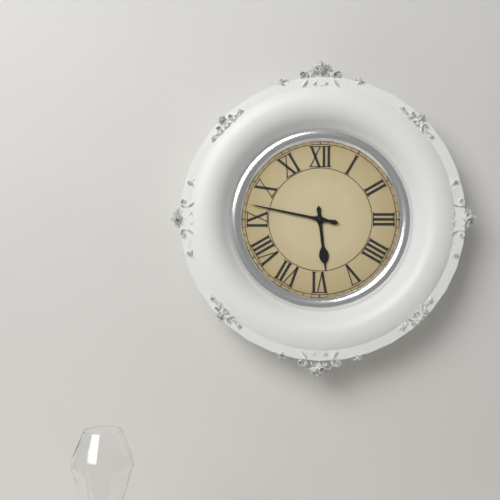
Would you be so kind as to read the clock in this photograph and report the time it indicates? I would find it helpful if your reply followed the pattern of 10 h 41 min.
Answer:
5 h 47 min
